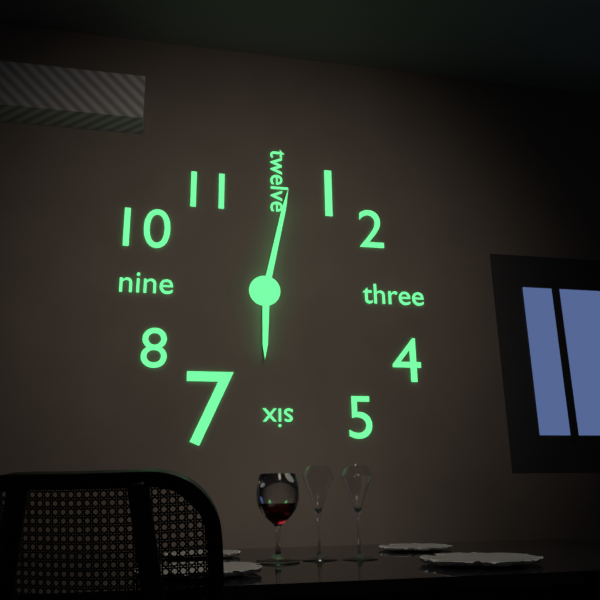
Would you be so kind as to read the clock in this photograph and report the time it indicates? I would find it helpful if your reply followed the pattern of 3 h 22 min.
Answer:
6 h 02 min
